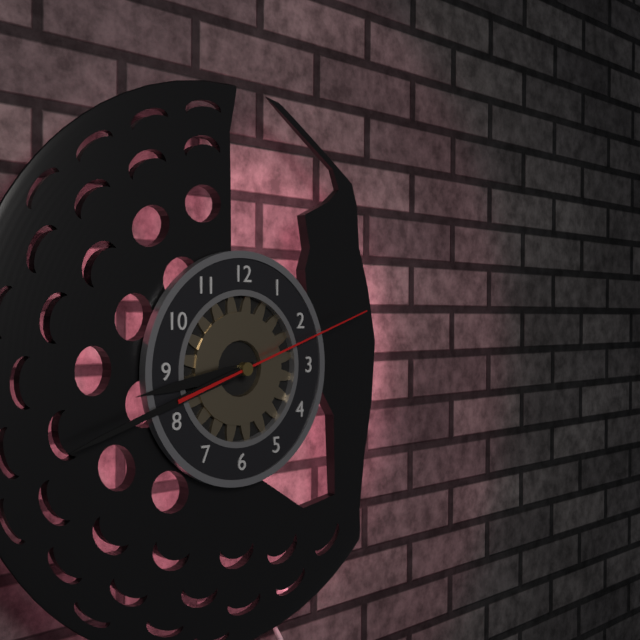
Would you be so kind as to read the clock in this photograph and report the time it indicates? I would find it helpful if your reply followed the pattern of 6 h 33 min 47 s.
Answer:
8 h 42 min 12 s
